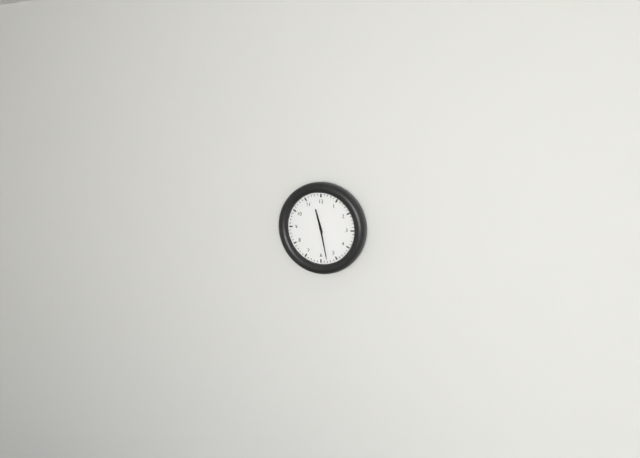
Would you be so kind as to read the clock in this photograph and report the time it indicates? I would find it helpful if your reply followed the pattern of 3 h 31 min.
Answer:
11 h 28 min
